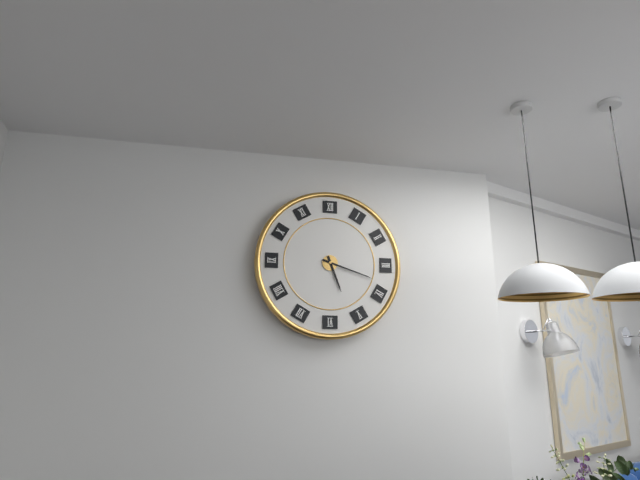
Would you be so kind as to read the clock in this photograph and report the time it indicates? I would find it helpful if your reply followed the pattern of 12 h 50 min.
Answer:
5 h 18 min
